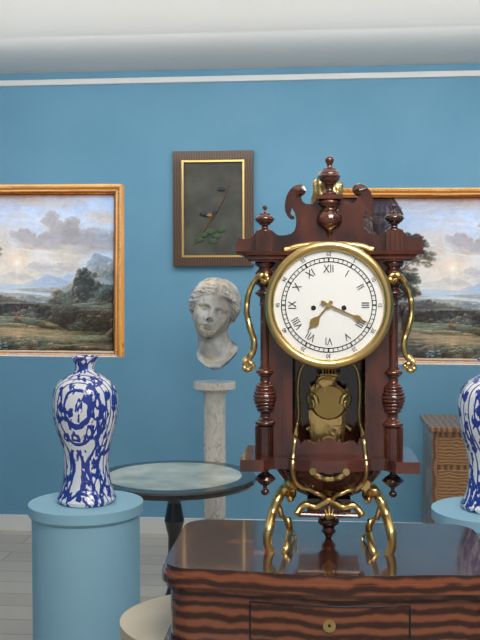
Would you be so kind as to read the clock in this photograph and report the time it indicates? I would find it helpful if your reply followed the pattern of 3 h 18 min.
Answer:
7 h 19 min
